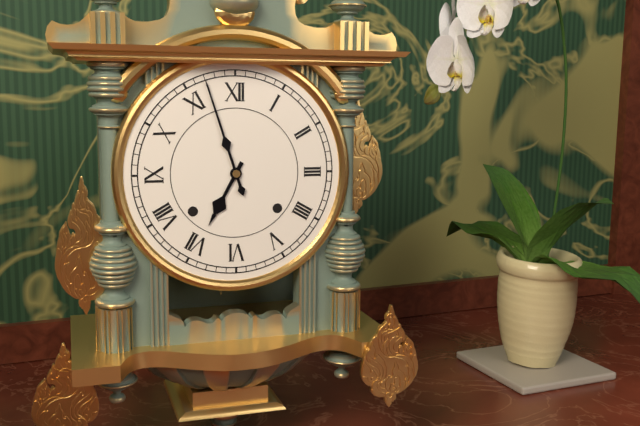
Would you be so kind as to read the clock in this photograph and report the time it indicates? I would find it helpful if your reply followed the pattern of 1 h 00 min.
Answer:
6 h 57 min
